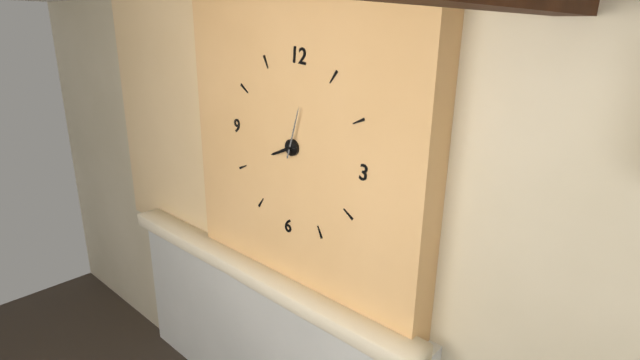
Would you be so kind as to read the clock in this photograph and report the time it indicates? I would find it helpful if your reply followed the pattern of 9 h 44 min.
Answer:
8 h 02 min
